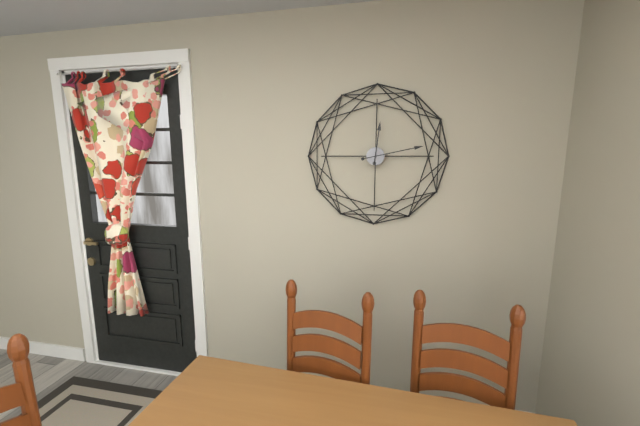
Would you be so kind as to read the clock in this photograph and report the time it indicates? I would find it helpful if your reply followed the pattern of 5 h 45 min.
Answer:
12 h 13 min
